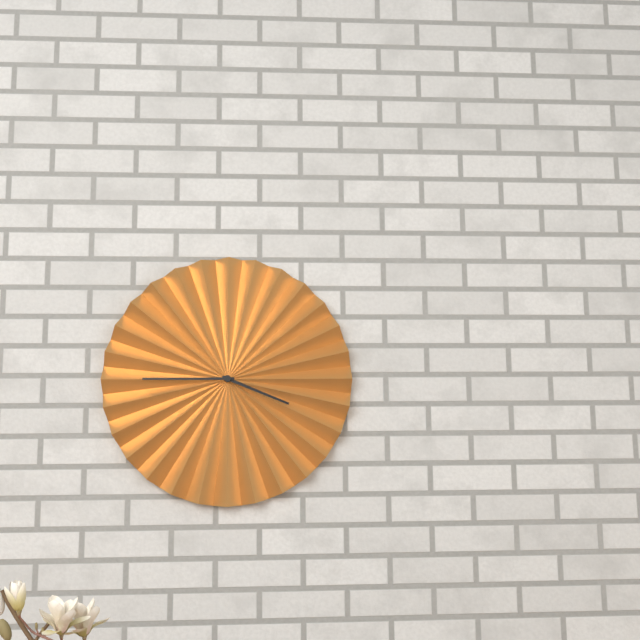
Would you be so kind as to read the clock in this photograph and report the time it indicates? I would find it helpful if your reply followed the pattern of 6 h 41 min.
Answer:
3 h 45 min
